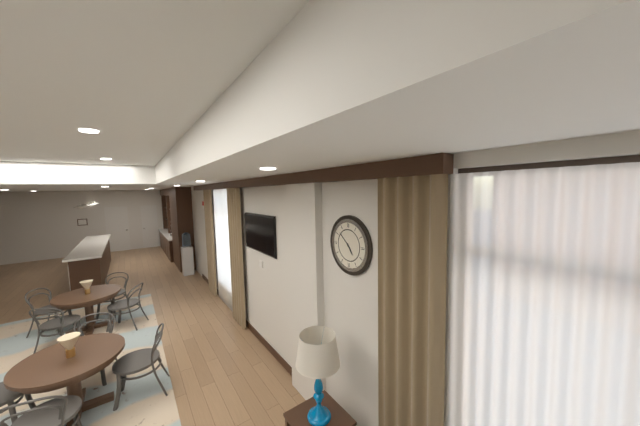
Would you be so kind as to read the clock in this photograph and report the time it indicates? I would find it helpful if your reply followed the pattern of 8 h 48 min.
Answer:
4 h 52 min
